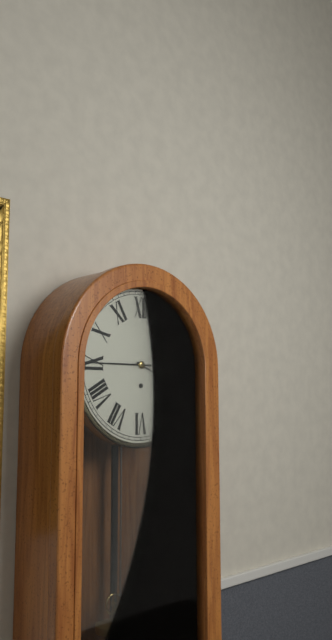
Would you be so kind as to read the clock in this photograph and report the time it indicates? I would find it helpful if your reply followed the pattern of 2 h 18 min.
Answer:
3 h 45 min
